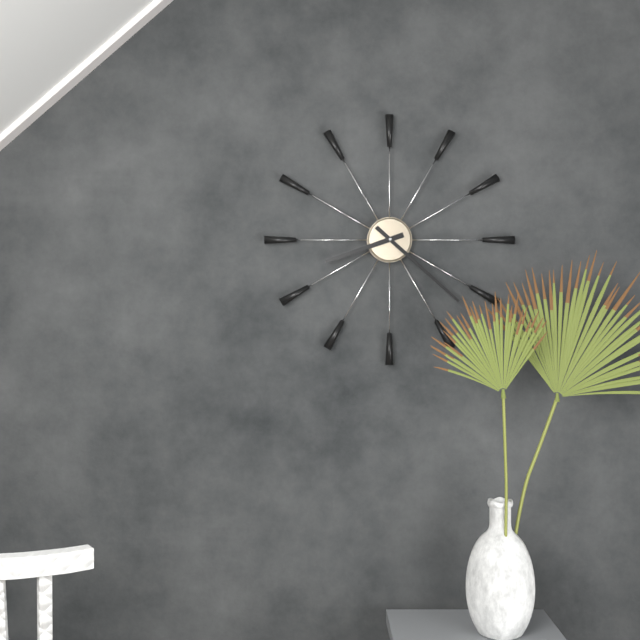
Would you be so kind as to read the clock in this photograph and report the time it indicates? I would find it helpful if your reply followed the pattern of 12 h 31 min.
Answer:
8 h 22 min
